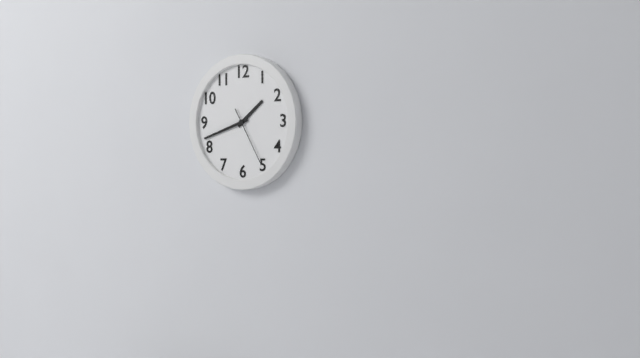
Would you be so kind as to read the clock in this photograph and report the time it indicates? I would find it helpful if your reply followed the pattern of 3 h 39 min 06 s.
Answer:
1 h 42 min 25 s
